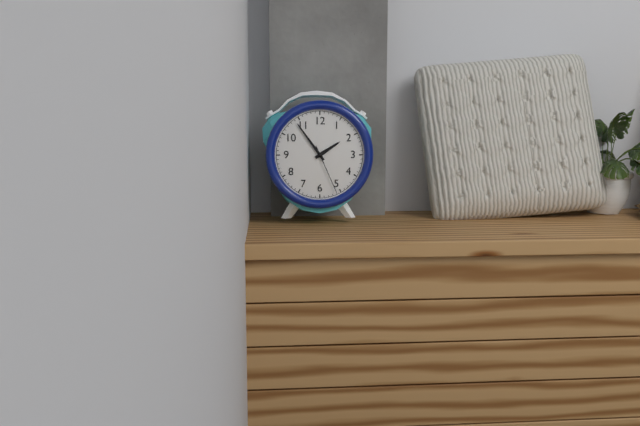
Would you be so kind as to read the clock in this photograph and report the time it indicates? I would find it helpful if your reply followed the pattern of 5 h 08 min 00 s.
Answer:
1 h 54 min 26 s
